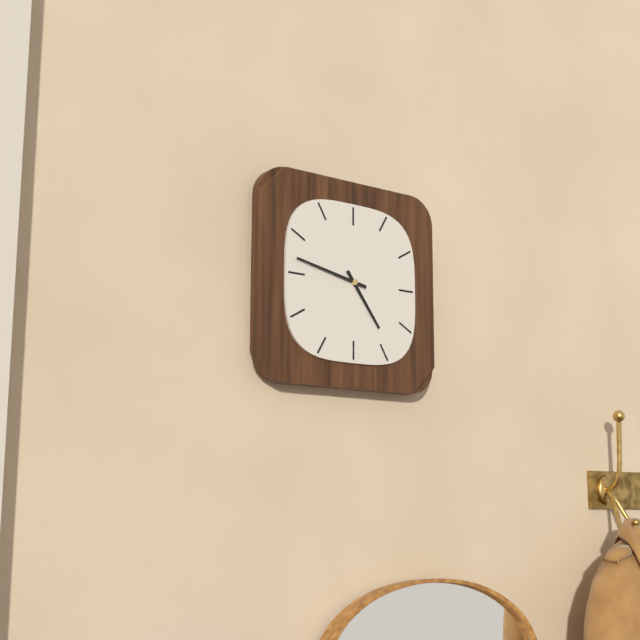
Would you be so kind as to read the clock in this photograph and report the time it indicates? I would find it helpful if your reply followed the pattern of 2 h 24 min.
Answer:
4 h 47 min
